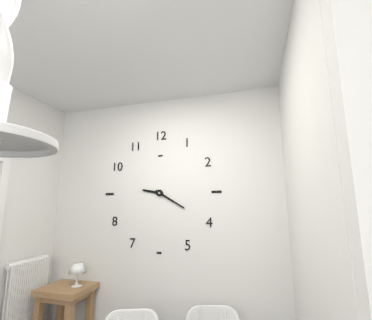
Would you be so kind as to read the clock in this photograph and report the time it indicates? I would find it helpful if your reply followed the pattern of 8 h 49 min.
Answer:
9 h 20 min
